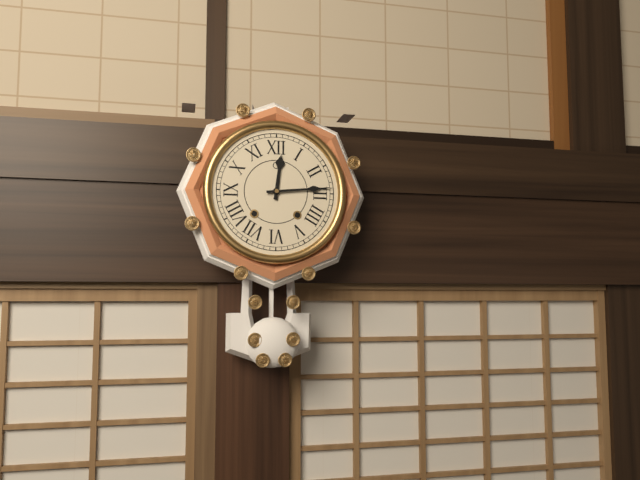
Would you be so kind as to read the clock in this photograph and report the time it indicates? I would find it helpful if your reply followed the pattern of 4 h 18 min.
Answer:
12 h 14 min
